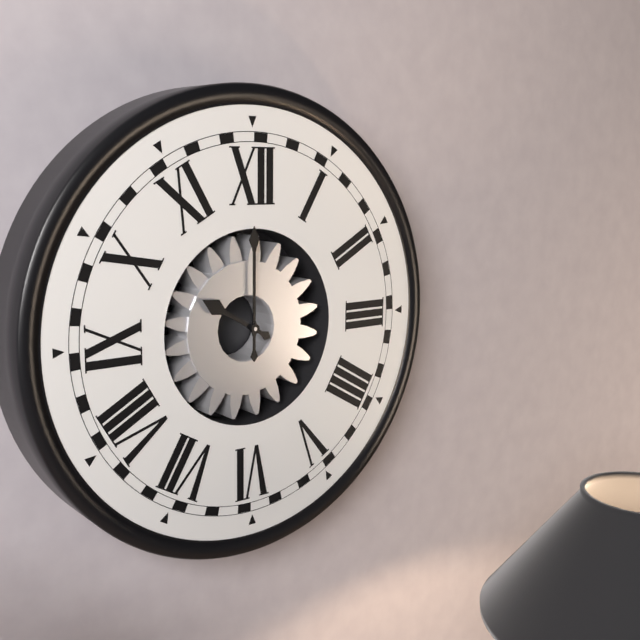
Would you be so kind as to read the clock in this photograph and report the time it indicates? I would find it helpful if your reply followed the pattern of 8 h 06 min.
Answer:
10 h 00 min
